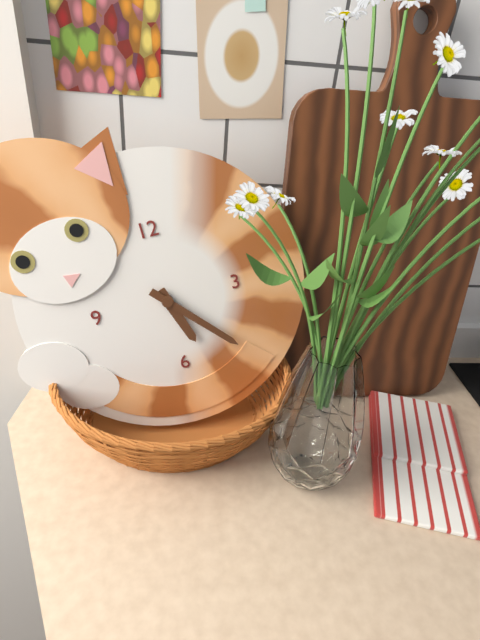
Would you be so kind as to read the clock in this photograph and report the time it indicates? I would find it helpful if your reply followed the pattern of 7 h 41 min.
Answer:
5 h 23 min
